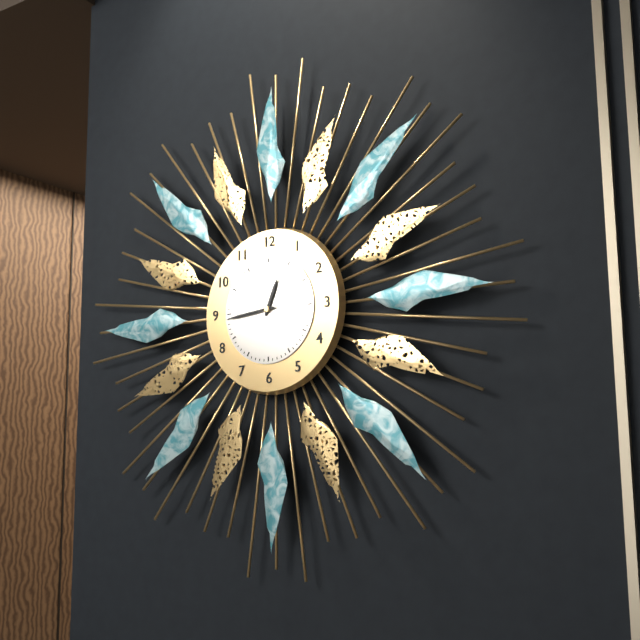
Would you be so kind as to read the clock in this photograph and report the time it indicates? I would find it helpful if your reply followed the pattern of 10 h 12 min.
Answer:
12 h 44 min
